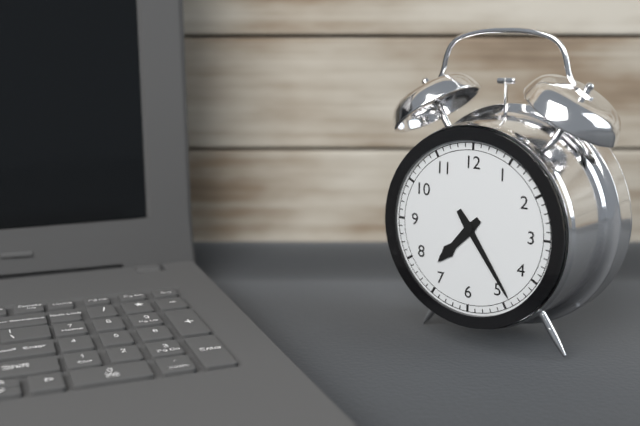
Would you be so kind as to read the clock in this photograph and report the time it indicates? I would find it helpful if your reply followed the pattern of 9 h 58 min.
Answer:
7 h 24 min
